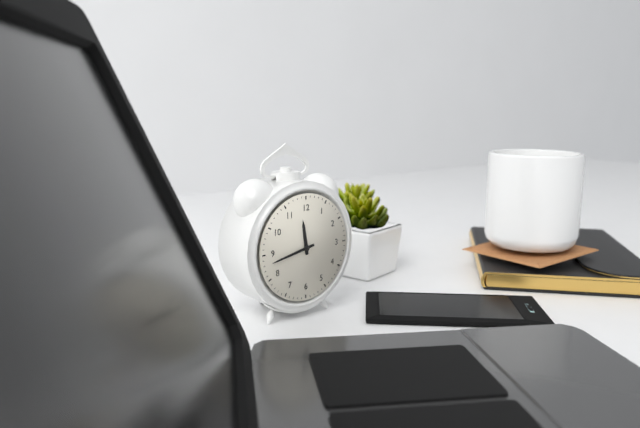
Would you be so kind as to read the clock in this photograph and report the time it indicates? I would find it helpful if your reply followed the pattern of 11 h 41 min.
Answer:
11 h 43 min
